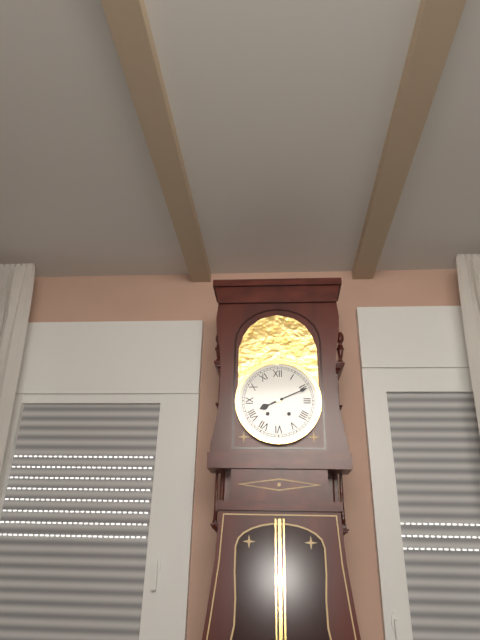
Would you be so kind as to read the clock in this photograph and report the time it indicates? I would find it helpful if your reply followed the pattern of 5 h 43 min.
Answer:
8 h 11 min
